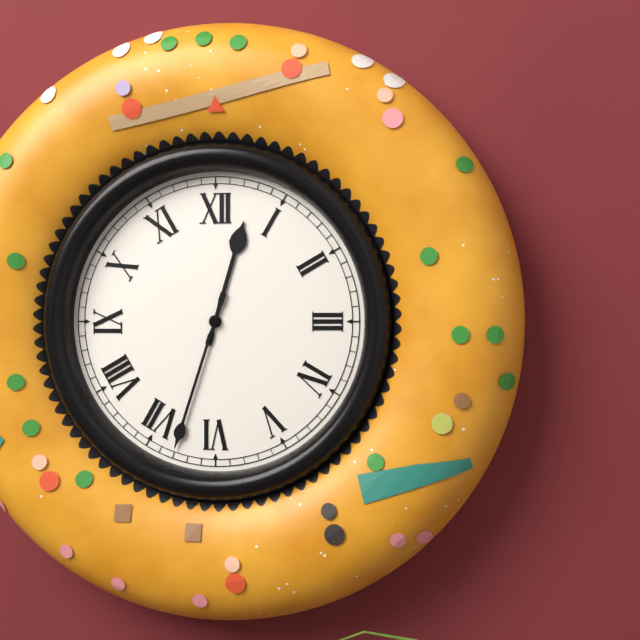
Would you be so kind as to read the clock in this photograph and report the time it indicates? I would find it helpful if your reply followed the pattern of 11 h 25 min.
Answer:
12 h 33 min
